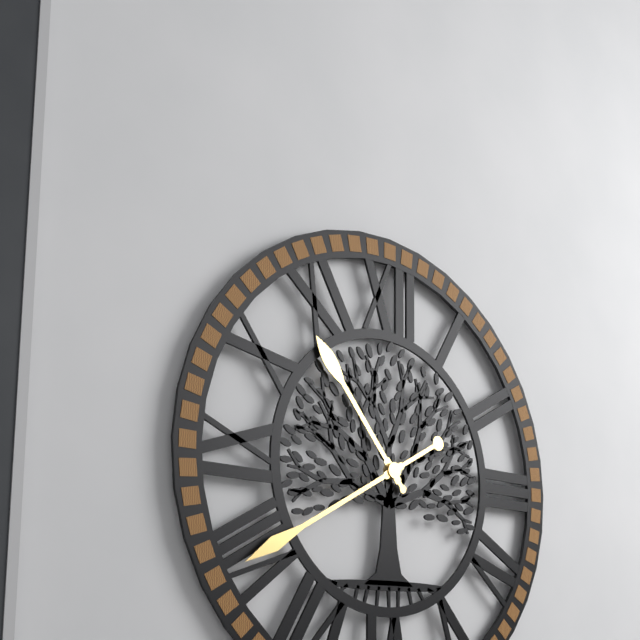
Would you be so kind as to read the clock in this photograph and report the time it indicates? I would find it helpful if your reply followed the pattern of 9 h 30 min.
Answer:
10 h 40 min
